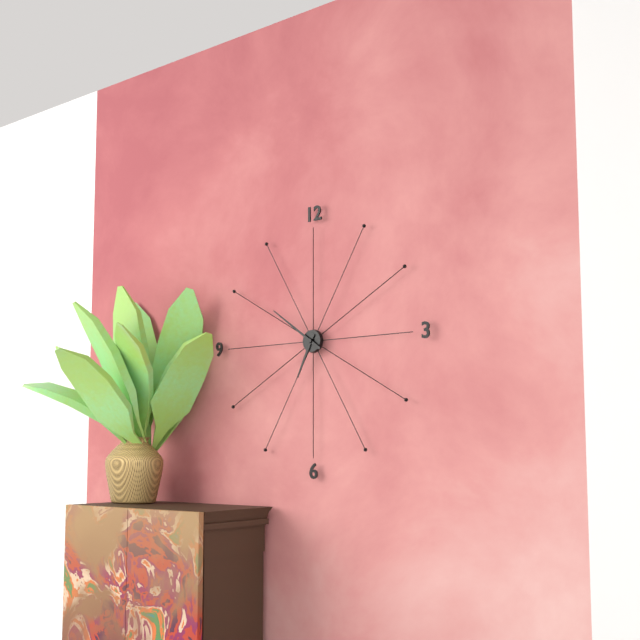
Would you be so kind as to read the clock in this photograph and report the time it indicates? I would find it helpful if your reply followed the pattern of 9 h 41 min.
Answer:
6 h 51 min
